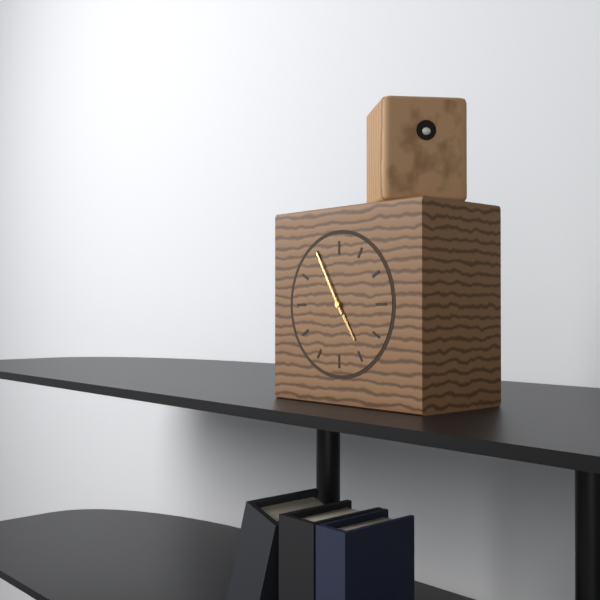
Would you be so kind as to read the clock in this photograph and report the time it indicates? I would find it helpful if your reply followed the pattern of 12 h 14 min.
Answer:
4 h 55 min
